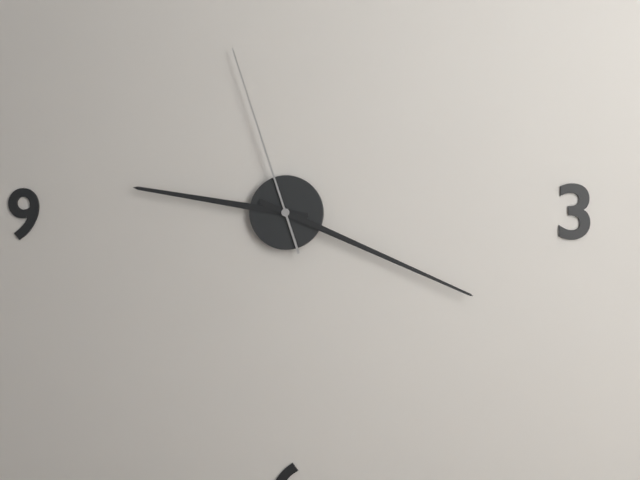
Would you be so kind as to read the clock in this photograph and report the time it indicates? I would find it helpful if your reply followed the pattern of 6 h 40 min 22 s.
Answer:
9 h 19 min 57 s
